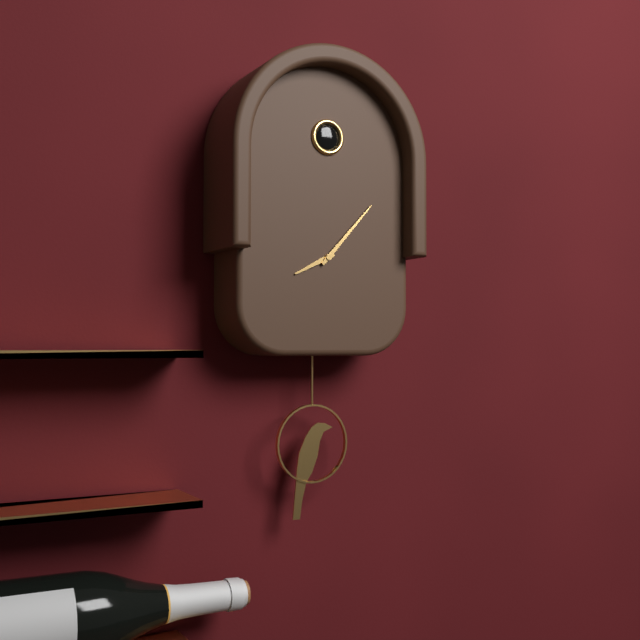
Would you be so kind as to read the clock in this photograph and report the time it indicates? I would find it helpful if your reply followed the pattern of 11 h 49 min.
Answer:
8 h 07 min
